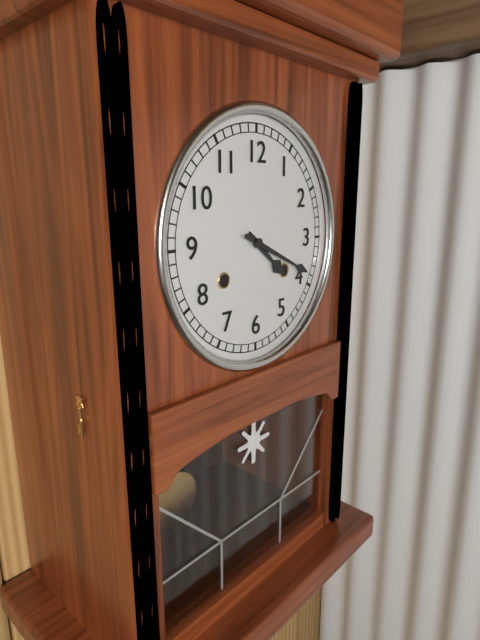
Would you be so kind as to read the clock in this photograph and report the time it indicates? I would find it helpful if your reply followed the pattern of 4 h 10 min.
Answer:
4 h 19 min
